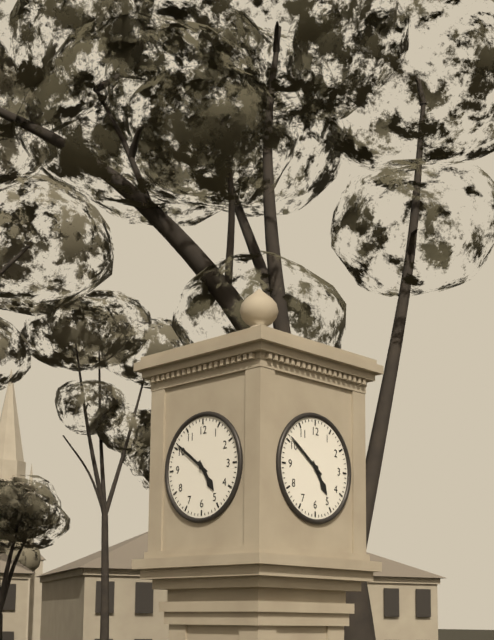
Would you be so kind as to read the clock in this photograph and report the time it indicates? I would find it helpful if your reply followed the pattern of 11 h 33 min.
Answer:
4 h 51 min
